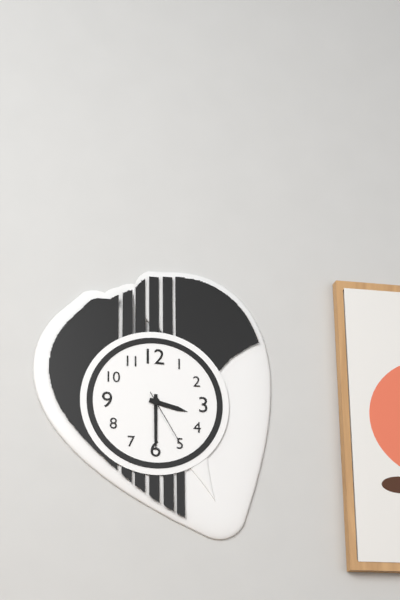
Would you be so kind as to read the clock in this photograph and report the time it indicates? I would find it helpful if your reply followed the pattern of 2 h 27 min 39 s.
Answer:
3 h 30 min 25 s
